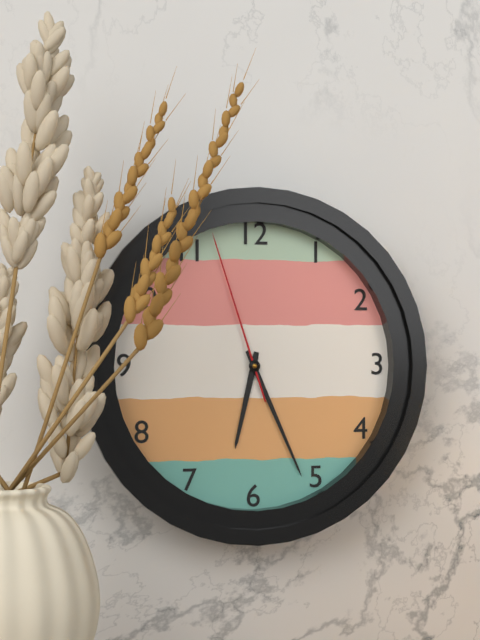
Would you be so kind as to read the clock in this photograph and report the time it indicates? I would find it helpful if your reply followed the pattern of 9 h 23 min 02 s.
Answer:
6 h 26 min 57 s
